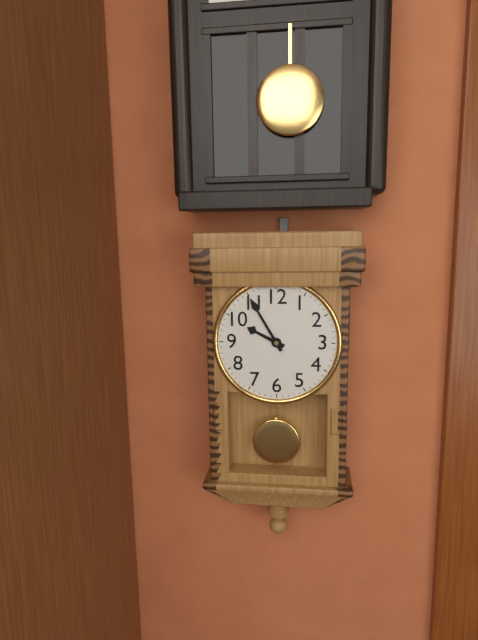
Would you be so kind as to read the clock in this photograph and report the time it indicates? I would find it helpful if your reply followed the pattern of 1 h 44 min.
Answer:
9 h 55 min
